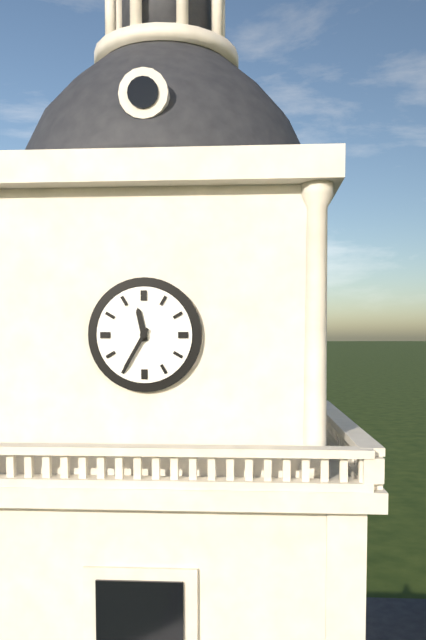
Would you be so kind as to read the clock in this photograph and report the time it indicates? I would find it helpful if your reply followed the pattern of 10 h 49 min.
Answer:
11 h 35 min
